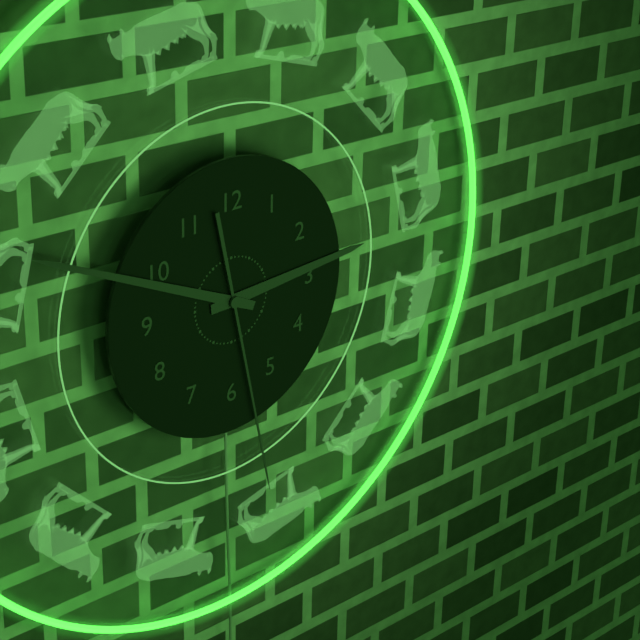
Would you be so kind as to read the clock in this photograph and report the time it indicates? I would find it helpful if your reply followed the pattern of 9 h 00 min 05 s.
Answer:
2 h 49 min 28 s
